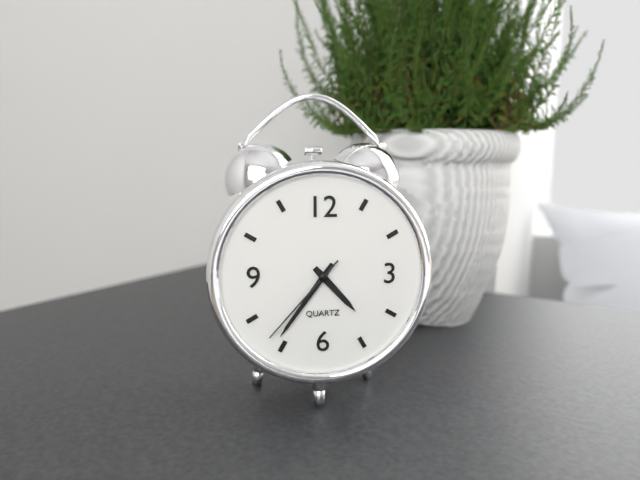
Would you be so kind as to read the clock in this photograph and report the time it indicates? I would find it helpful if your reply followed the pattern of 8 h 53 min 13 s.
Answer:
4 h 36 min 37 s
